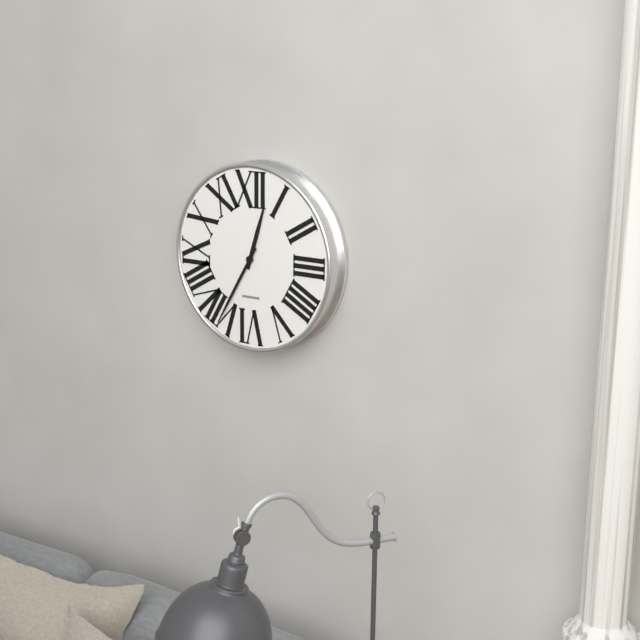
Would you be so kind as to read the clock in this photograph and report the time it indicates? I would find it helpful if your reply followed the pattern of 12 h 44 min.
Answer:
12 h 35 min
